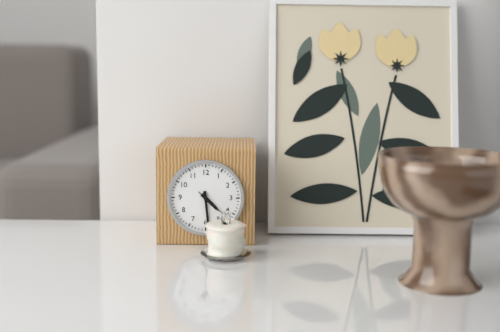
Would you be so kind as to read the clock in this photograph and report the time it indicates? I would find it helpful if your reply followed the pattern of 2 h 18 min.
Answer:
4 h 29 min
